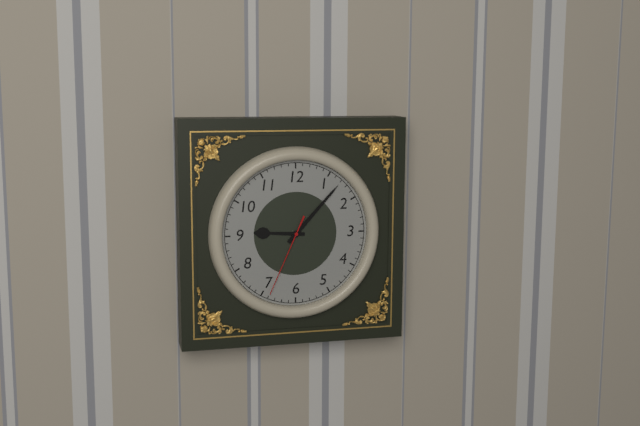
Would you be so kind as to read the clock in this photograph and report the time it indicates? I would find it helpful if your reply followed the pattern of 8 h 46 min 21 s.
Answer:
9 h 07 min 34 s
